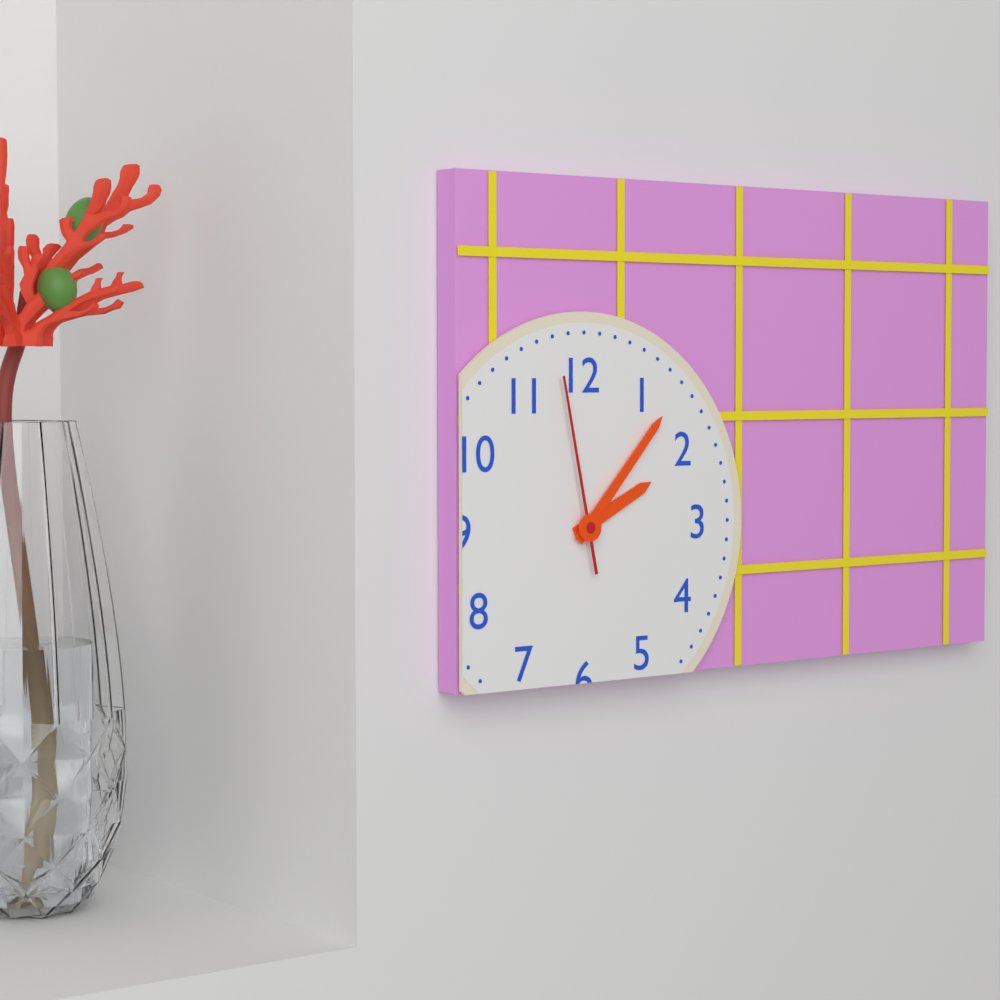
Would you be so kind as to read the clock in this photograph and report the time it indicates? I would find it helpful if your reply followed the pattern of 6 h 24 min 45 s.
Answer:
2 h 07 min 58 s
